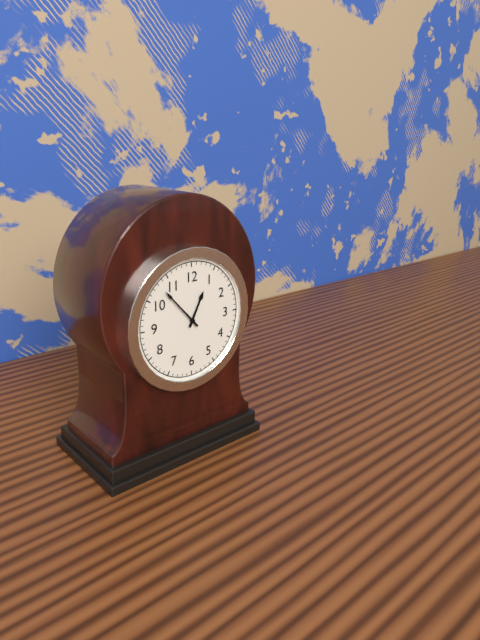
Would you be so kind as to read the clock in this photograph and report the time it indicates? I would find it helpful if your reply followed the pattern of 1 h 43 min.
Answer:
12 h 53 min
